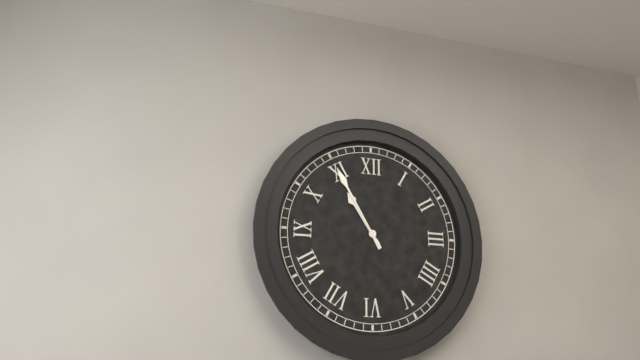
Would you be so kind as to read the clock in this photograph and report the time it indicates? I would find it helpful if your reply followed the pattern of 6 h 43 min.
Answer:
10 h 55 min
